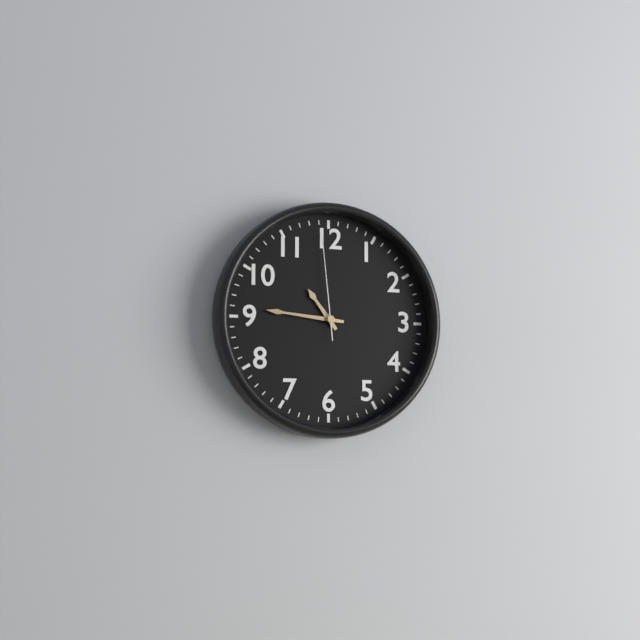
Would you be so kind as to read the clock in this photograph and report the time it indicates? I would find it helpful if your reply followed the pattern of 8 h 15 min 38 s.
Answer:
10 h 46 min 59 s
